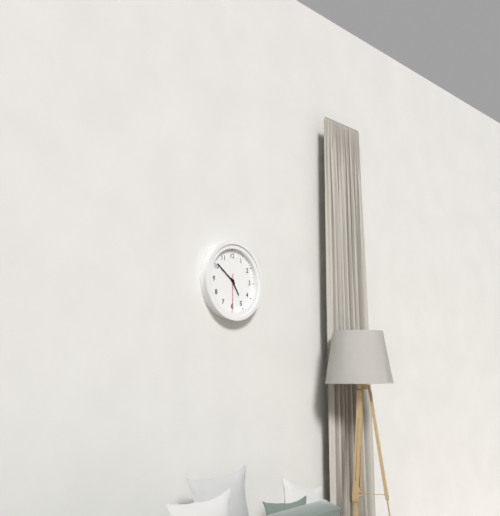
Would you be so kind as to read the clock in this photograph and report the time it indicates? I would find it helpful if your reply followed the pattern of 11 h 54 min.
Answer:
4 h 51 min
